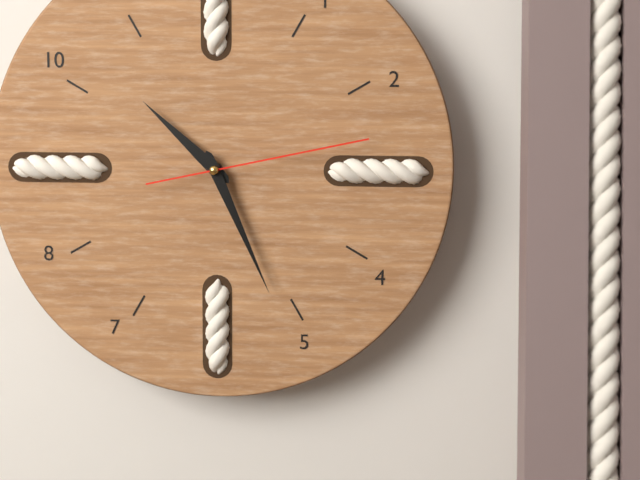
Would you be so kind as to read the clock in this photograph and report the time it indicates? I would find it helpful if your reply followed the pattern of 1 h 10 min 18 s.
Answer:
10 h 26 min 13 s
